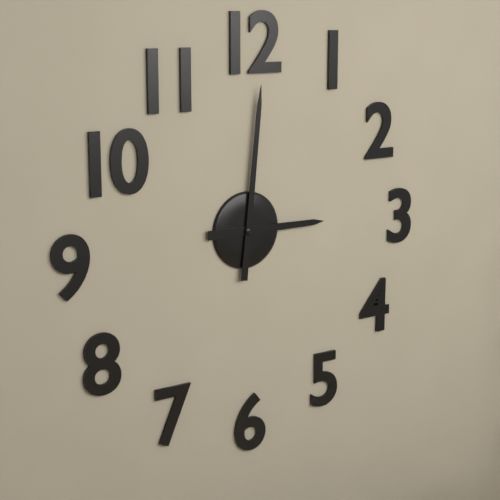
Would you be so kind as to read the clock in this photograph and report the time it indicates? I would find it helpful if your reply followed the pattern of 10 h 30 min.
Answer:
3 h 01 min
